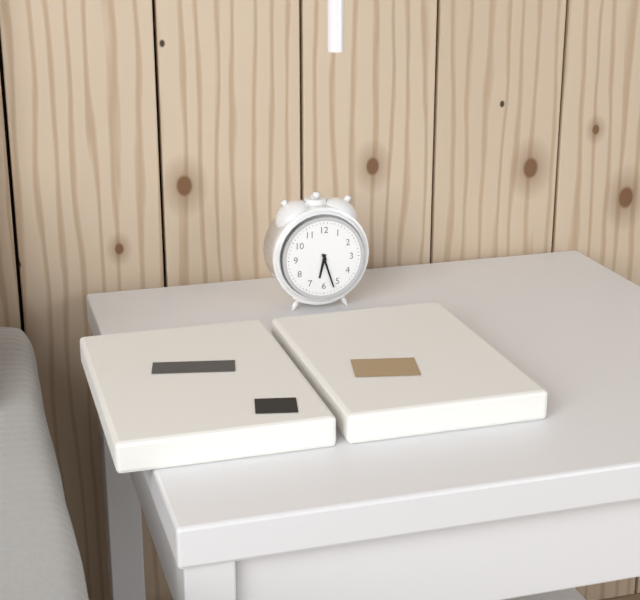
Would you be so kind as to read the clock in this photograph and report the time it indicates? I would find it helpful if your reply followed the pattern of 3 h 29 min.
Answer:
6 h 27 min
